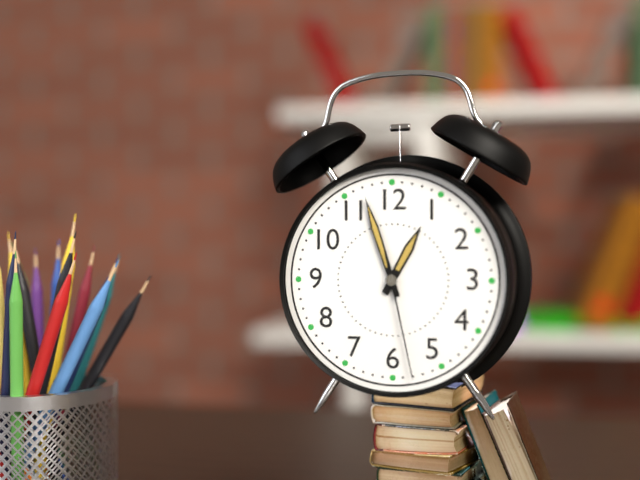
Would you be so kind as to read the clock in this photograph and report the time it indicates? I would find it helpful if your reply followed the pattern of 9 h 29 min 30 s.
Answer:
12 h 57 min 28 s
